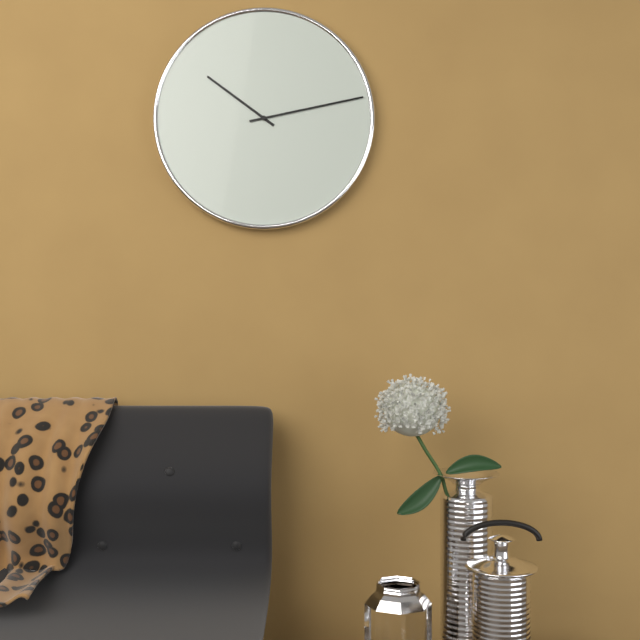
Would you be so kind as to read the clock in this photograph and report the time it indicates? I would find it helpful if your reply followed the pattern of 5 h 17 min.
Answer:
10 h 13 min
